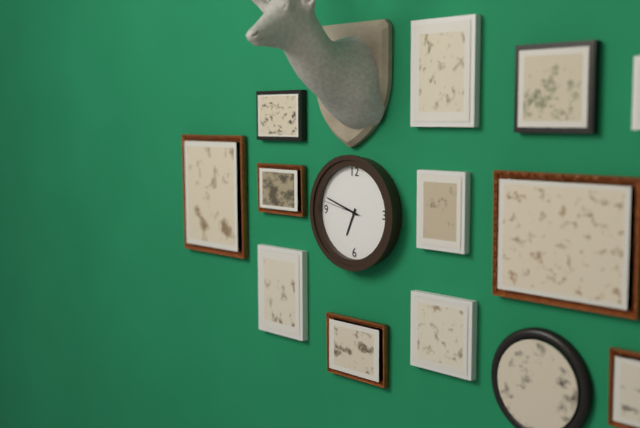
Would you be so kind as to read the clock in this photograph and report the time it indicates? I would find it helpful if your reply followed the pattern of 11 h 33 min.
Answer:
6 h 48 min
